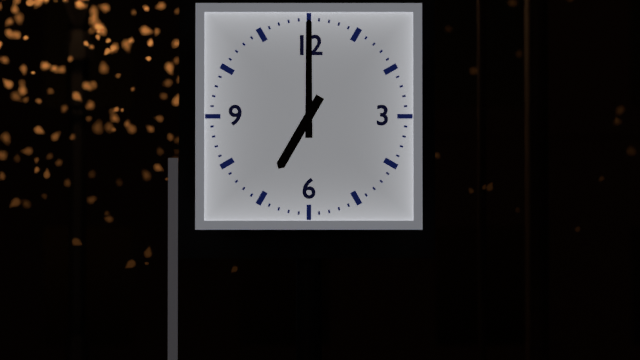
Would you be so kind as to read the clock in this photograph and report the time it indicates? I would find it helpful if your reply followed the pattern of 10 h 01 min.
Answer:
7 h 00 min
